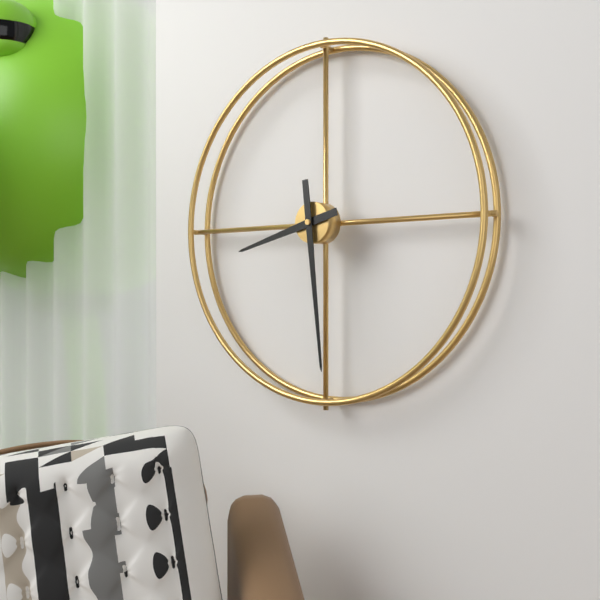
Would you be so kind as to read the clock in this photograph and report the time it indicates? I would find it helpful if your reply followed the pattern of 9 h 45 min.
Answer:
8 h 29 min
